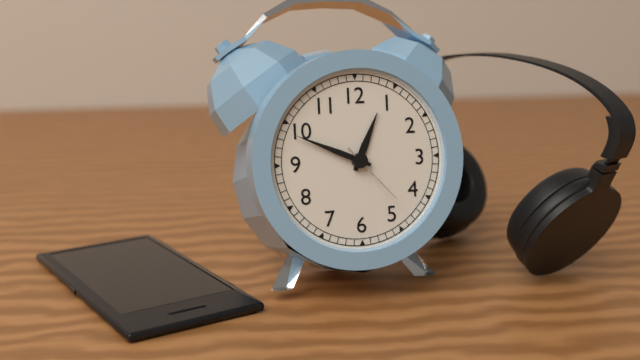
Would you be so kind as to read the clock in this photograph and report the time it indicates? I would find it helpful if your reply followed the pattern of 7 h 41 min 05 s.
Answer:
12 h 49 min 23 s
